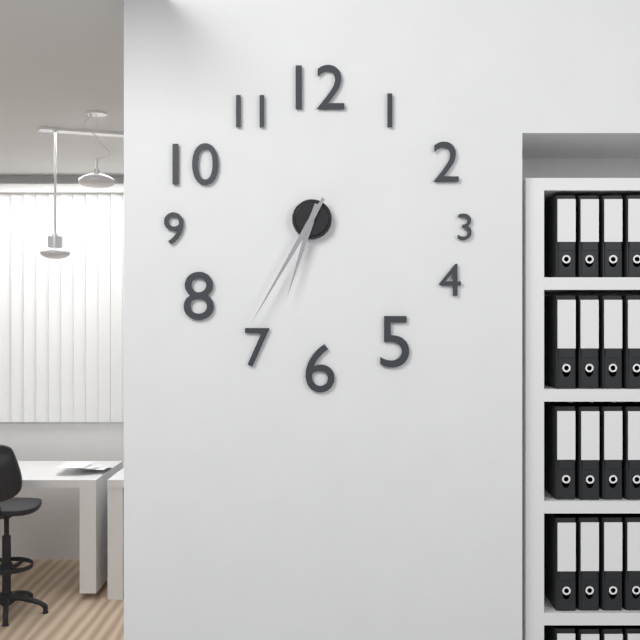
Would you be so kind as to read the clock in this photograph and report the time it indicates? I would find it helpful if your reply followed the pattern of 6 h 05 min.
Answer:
6 h 35 min
